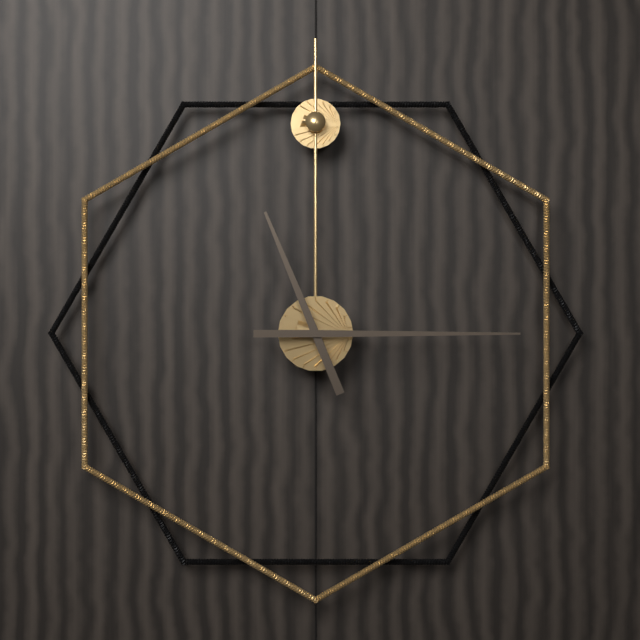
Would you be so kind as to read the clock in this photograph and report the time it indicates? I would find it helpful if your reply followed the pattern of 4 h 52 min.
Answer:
11 h 15 min
